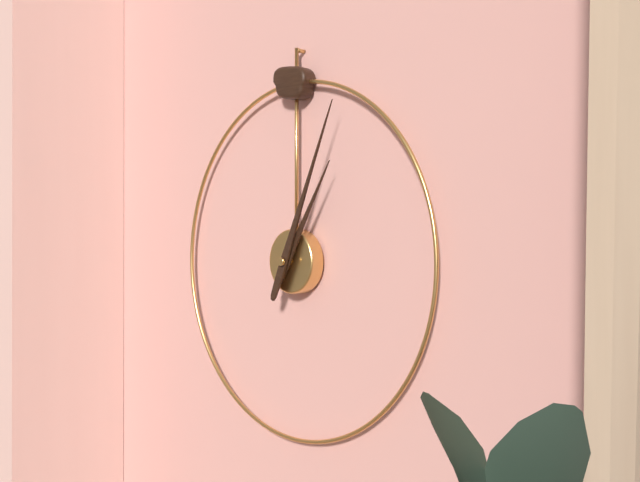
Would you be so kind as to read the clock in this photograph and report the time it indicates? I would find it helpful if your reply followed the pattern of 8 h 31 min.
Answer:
1 h 04 min
